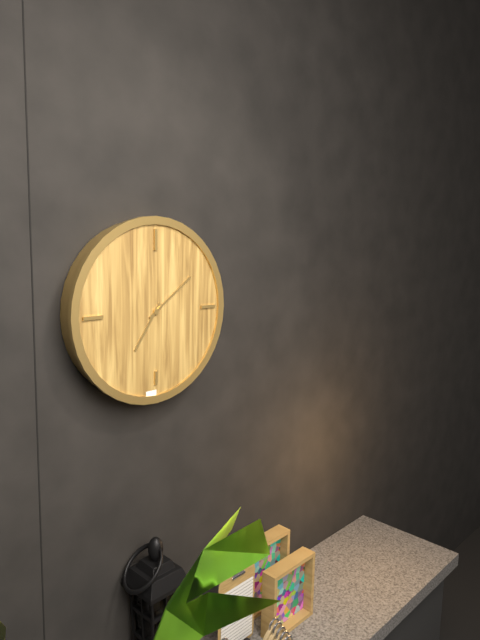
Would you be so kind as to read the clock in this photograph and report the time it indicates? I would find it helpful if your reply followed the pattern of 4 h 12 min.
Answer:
7 h 09 min
